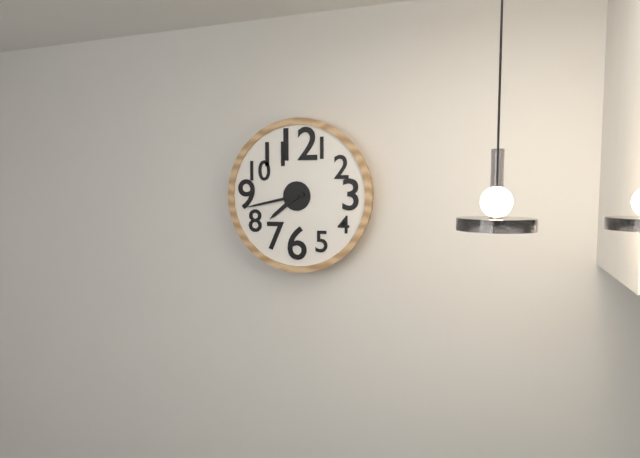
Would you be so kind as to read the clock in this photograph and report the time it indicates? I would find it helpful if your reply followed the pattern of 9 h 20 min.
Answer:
7 h 43 min
